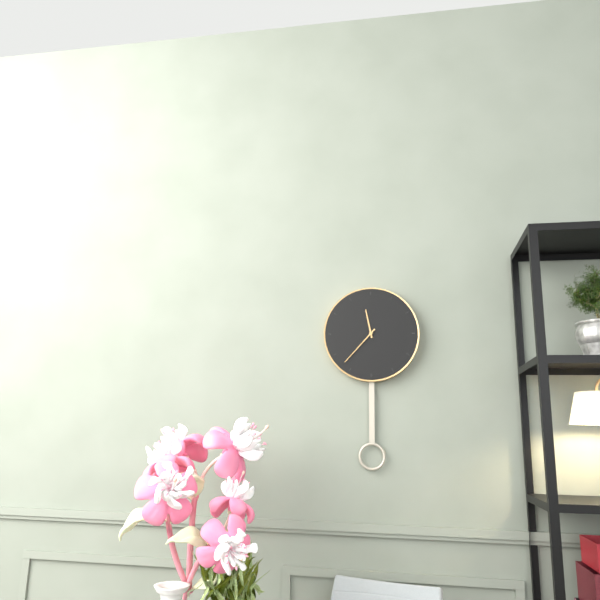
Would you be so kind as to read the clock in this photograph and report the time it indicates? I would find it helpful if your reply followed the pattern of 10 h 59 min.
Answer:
11 h 37 min
